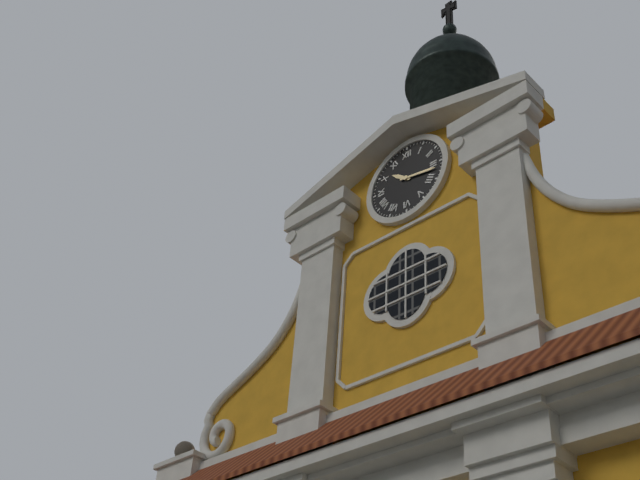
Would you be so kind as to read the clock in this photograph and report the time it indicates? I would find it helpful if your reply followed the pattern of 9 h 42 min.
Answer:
10 h 17 min
